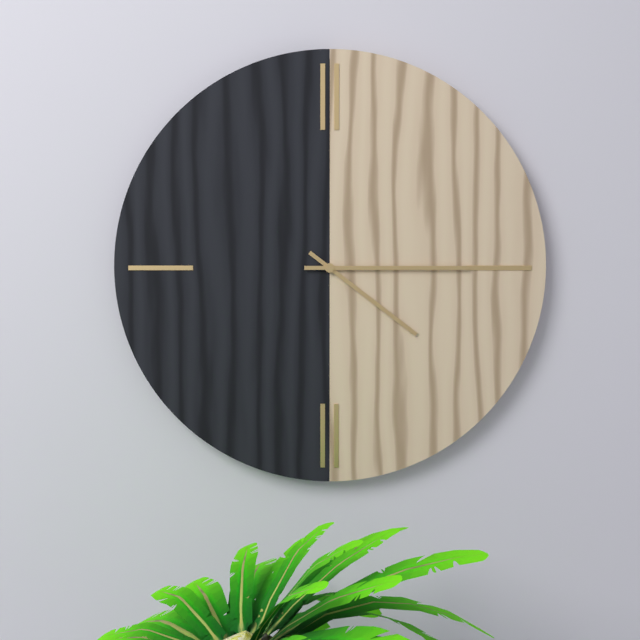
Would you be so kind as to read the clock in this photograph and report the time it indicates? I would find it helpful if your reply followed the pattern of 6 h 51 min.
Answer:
4 h 15 min
